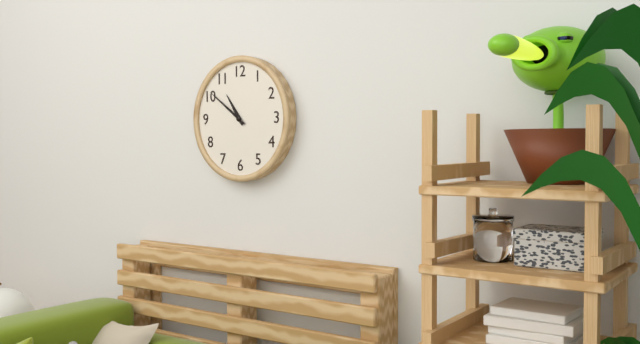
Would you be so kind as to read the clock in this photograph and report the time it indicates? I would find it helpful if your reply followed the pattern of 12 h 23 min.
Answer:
10 h 51 min
